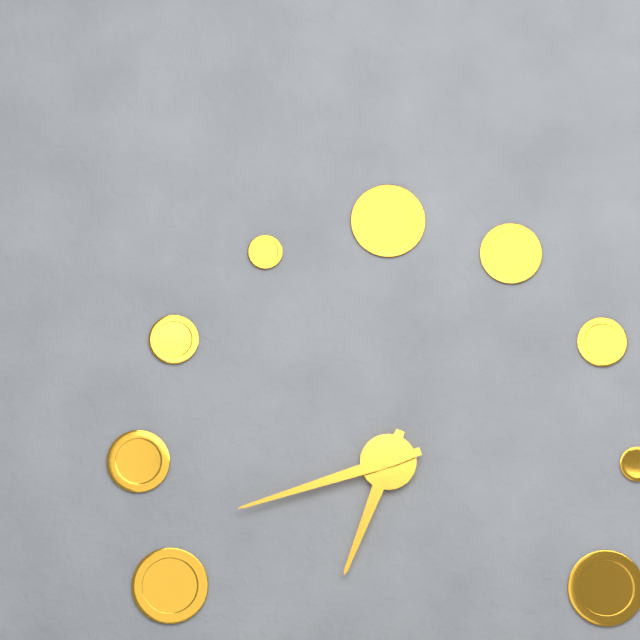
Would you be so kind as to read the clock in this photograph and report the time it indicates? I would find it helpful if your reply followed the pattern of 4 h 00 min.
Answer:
6 h 42 min
